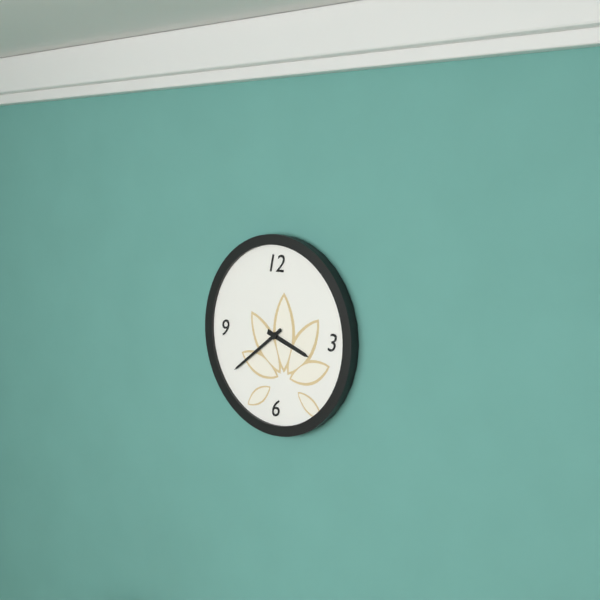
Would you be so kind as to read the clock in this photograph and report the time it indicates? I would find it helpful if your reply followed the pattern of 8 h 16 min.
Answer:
3 h 39 min
